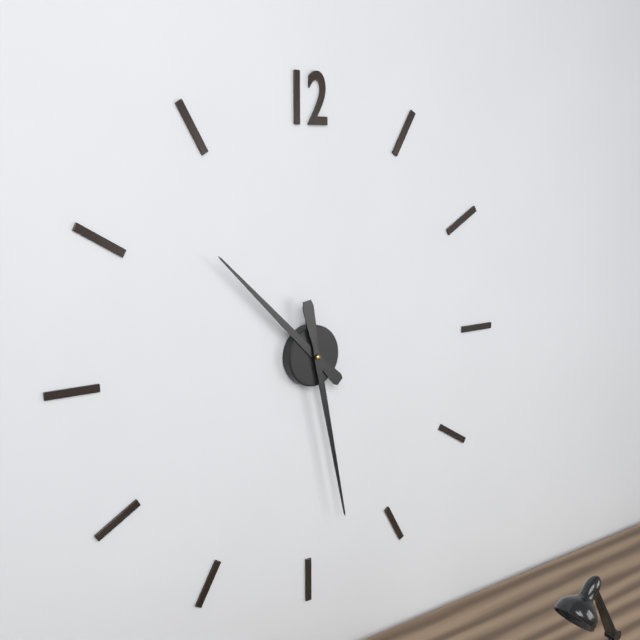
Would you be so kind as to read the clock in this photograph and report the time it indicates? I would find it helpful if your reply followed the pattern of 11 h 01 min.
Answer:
10 h 28 min
